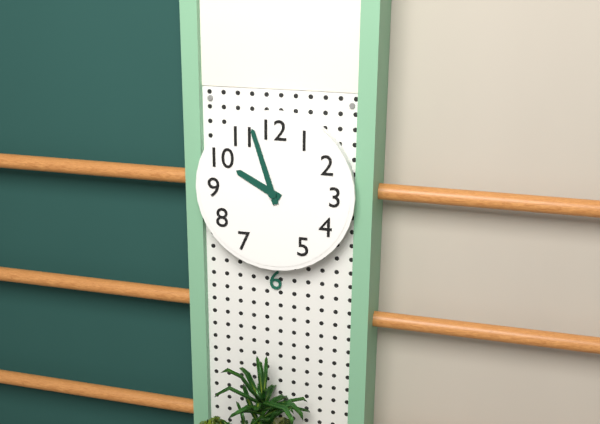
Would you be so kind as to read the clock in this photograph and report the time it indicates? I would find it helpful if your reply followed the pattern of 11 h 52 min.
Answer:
9 h 57 min
